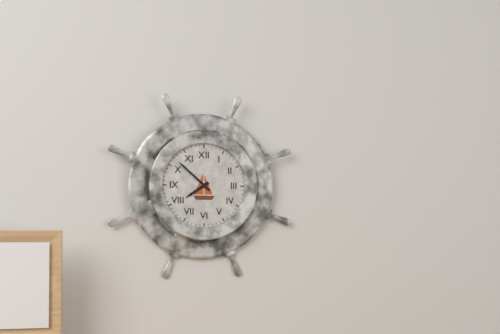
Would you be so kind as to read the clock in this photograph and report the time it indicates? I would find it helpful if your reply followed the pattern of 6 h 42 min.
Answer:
7 h 52 min
